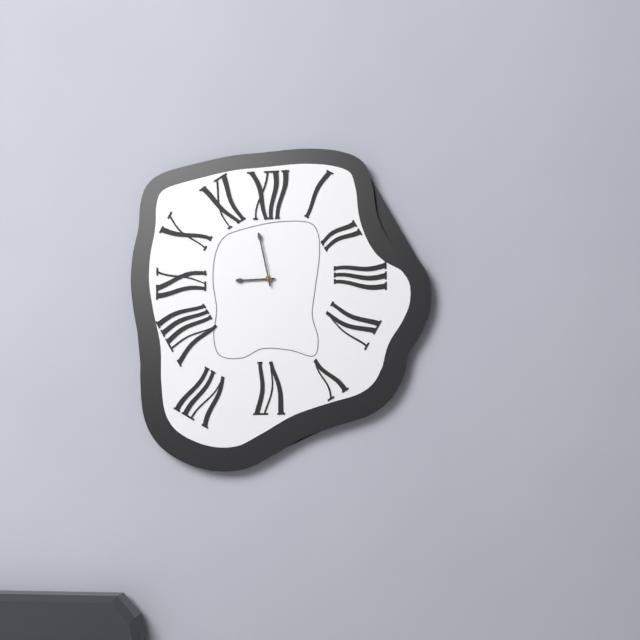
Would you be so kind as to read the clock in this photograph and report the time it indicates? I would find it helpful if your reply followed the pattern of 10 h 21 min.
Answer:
8 h 58 min
